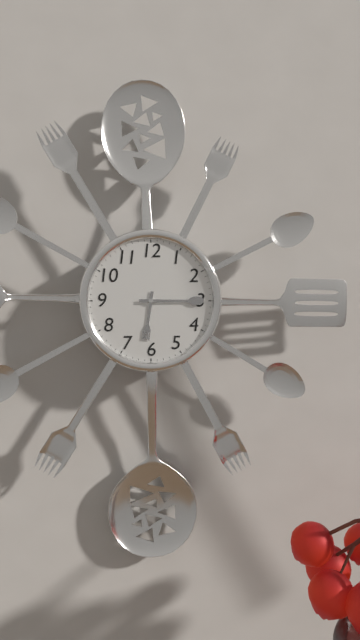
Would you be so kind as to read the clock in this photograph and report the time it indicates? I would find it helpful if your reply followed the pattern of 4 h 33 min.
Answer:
6 h 15 min
